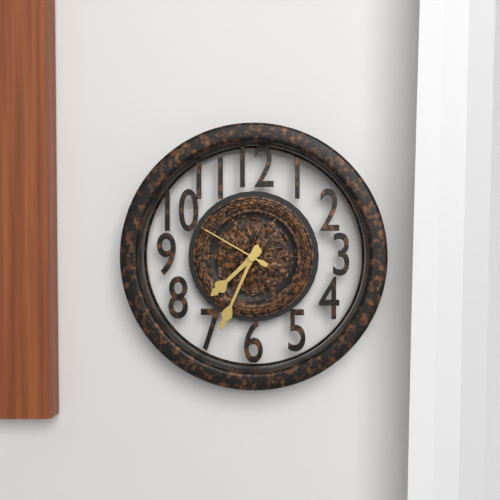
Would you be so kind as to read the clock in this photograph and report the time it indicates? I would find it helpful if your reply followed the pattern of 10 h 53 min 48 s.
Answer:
7 h 34 min 50 s
